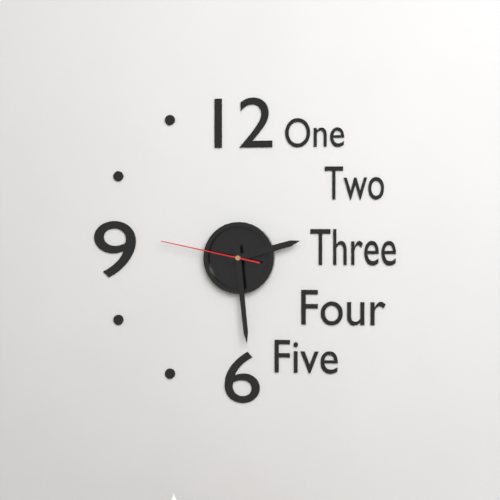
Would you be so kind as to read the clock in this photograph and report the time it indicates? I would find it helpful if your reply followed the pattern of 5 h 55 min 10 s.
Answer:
2 h 29 min 47 s
